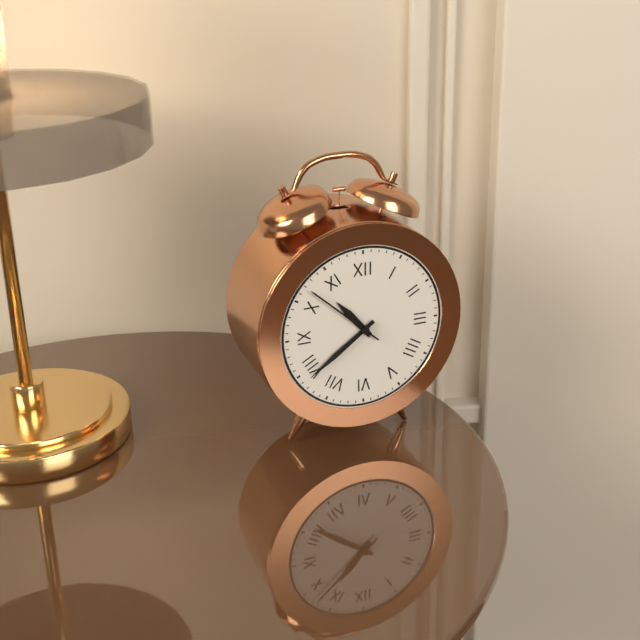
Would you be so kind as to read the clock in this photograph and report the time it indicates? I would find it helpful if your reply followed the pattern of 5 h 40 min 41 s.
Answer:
10 h 39 min 52 s
